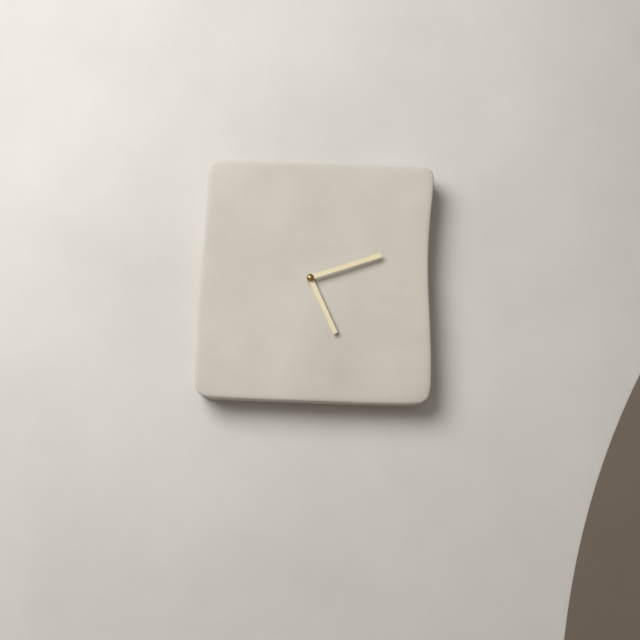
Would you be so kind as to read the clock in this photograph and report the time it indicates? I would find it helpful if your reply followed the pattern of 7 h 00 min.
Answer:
5 h 12 min
